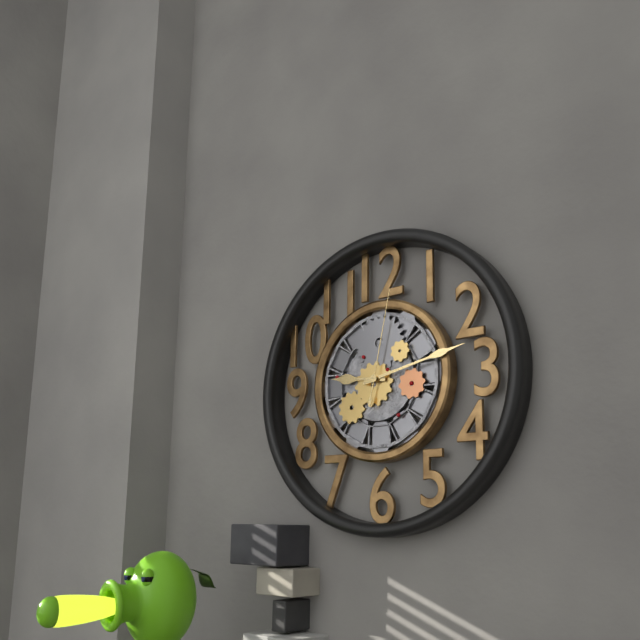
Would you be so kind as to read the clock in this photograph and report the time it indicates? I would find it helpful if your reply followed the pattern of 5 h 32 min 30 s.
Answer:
9 h 13 min 02 s
